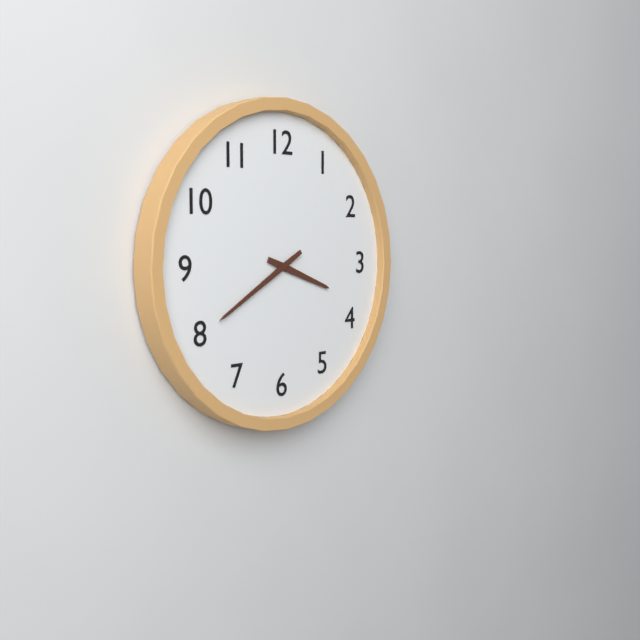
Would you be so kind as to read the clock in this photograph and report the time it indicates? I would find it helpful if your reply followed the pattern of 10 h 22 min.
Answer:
3 h 40 min
